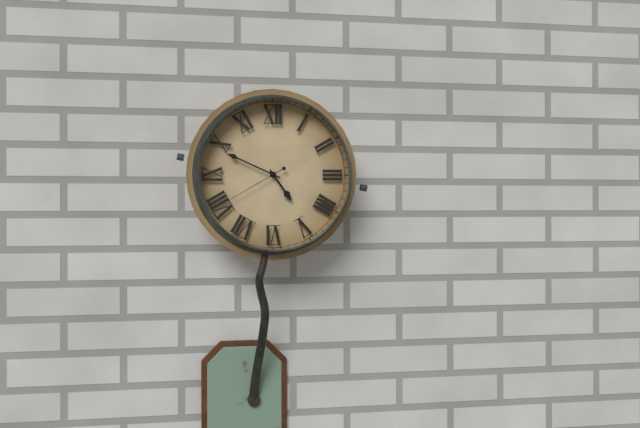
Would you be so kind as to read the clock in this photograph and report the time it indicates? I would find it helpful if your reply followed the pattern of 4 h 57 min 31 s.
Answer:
4 h 49 min 40 s
